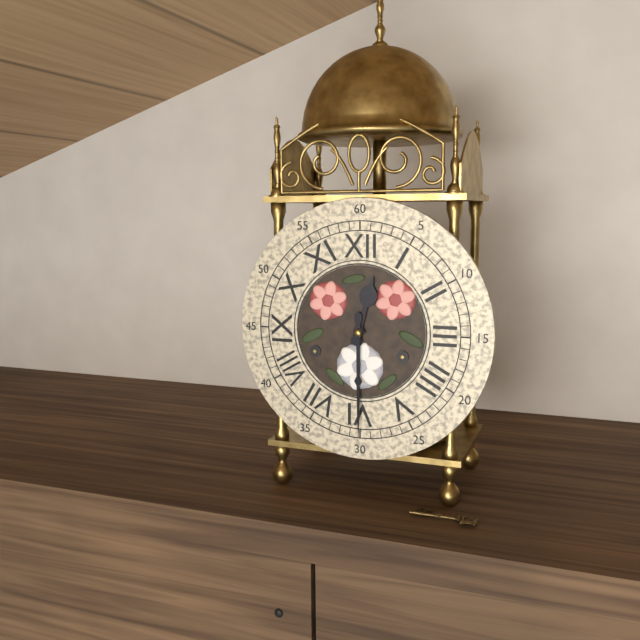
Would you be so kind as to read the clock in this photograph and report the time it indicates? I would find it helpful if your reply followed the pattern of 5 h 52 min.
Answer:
12 h 30 min
